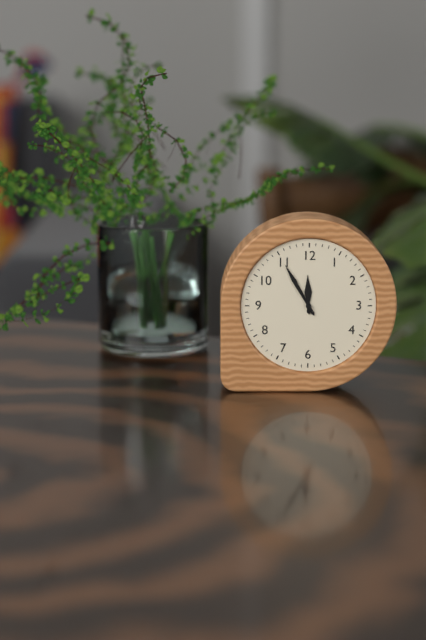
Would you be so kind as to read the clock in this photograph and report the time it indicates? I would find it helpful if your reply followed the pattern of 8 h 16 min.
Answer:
11 h 55 min
